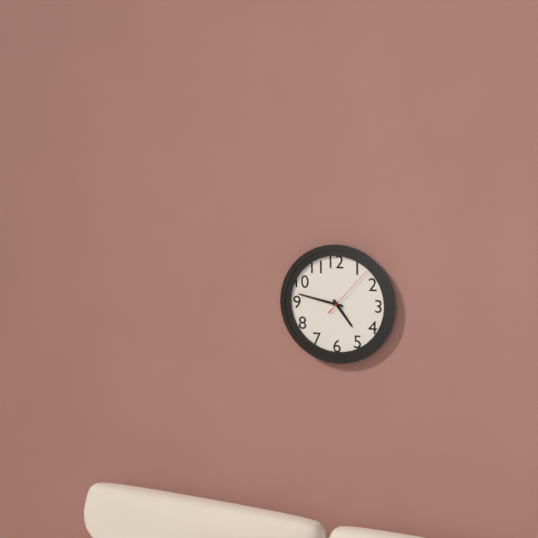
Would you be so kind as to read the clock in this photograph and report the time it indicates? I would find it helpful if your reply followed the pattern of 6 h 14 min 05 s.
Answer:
4 h 47 min 07 s
